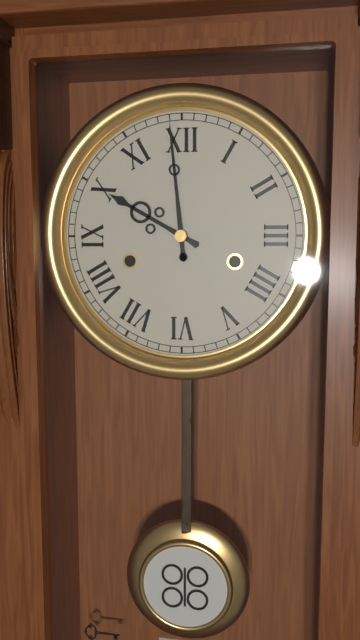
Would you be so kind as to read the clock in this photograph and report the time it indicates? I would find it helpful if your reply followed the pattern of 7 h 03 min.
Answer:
9 h 59 min
